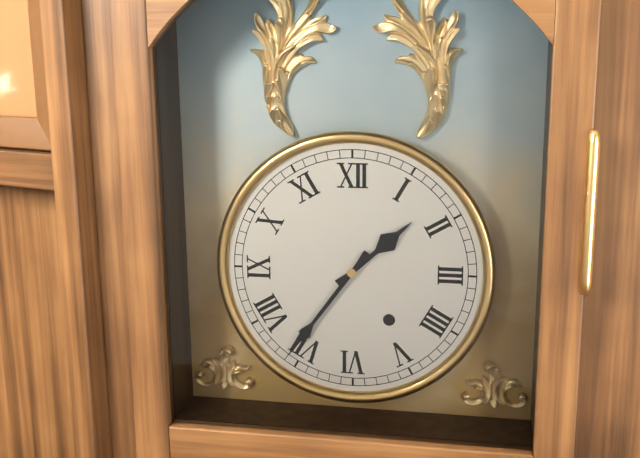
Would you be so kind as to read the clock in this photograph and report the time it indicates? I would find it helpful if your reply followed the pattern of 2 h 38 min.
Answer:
1 h 36 min
